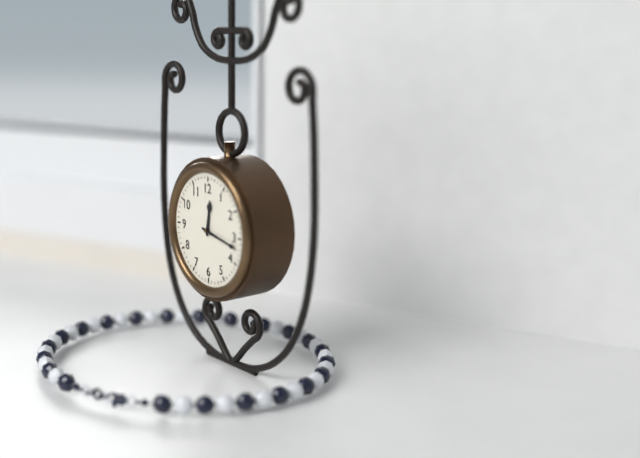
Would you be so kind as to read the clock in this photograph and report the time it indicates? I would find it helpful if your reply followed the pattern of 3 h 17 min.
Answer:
12 h 17 min
